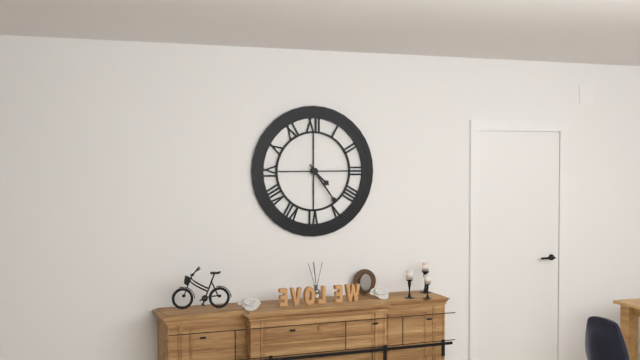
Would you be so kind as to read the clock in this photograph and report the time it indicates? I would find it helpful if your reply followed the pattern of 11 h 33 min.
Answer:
4 h 24 min
